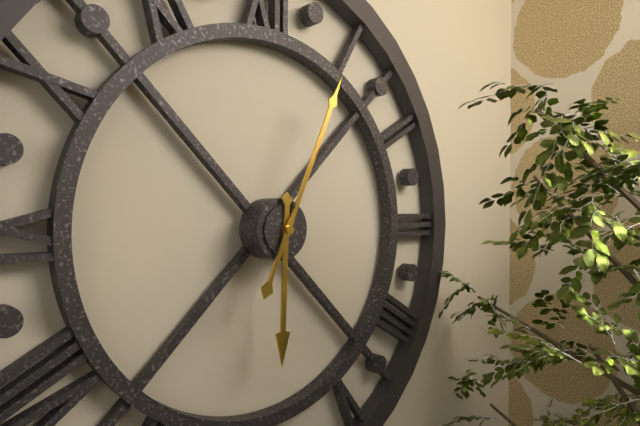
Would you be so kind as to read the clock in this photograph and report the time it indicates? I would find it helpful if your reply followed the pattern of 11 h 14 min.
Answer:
6 h 04 min
